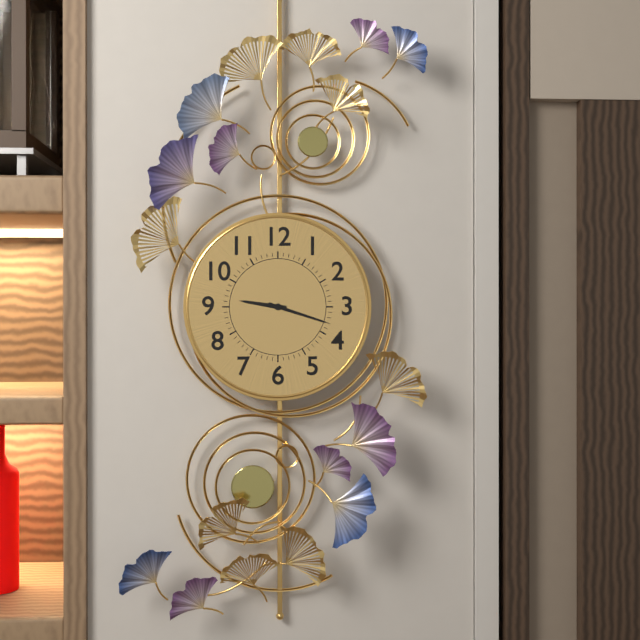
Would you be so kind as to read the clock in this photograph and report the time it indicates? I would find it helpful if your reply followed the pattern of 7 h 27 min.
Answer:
9 h 18 min
